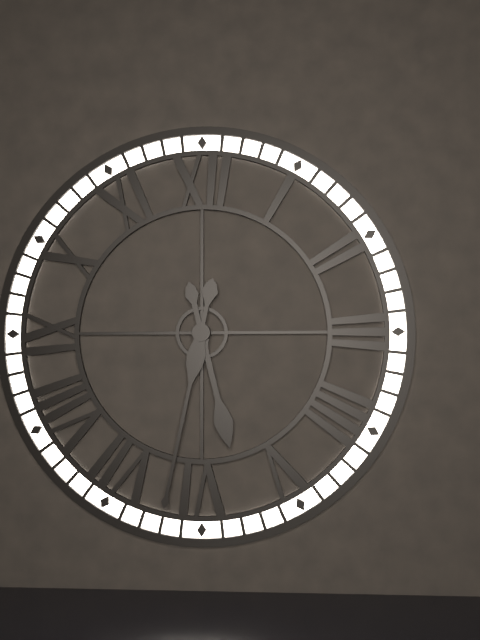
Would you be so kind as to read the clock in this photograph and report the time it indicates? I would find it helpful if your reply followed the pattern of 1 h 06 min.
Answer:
5 h 32 min
